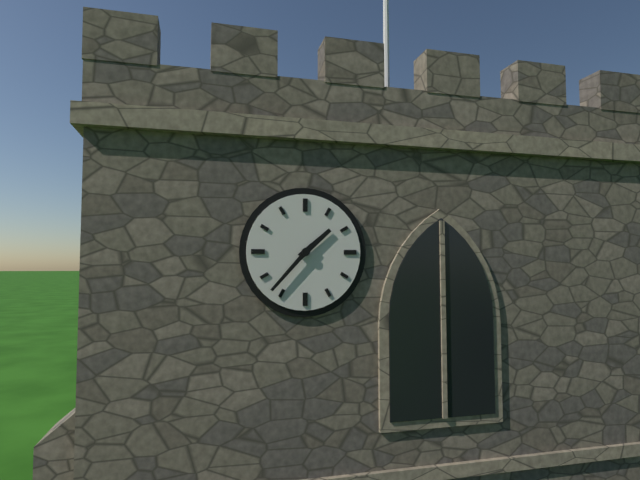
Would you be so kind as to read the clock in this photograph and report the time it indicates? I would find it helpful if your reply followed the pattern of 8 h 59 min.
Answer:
1 h 37 min
